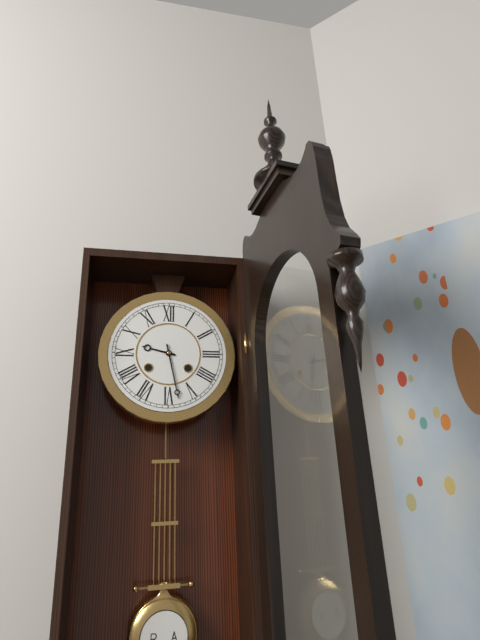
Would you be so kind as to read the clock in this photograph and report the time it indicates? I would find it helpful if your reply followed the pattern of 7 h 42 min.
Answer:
9 h 28 min
